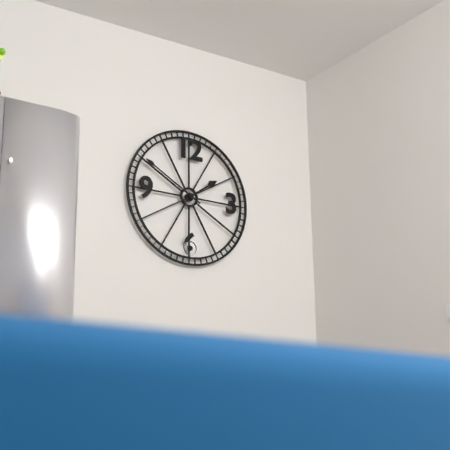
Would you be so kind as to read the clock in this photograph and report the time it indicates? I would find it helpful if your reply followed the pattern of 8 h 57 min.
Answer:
1 h 50 min
